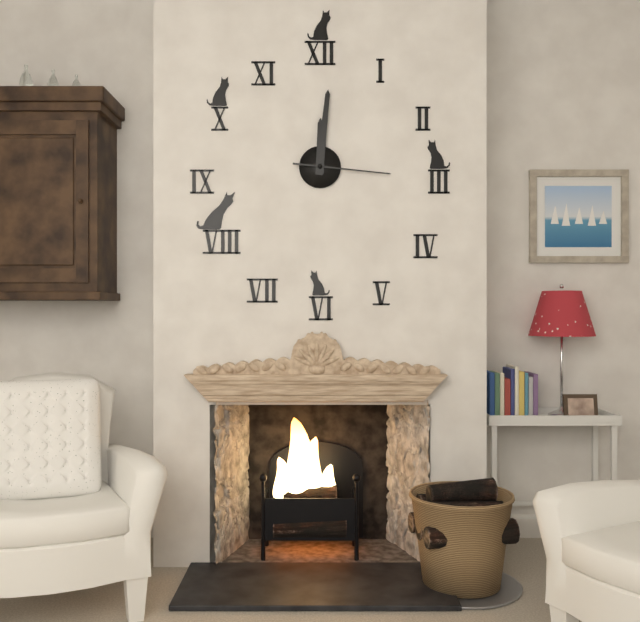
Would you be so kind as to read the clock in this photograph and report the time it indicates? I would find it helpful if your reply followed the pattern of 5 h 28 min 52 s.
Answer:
12 h 01 min 16 s
